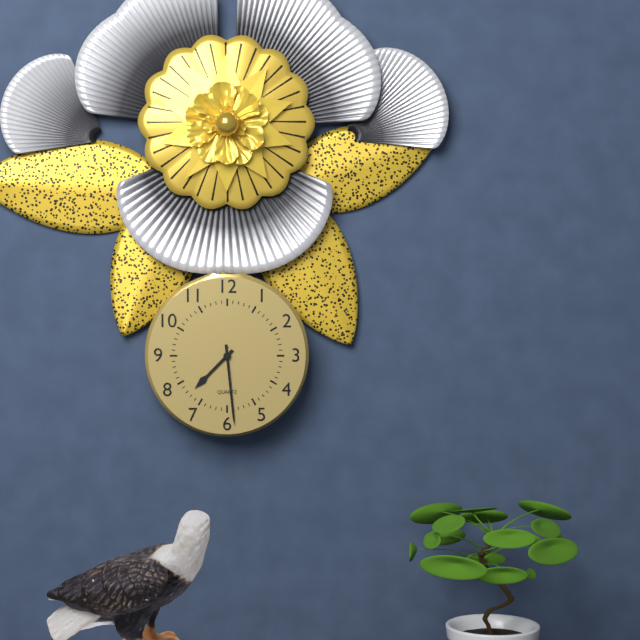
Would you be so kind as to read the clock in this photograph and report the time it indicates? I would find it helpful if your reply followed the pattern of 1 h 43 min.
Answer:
7 h 29 min
